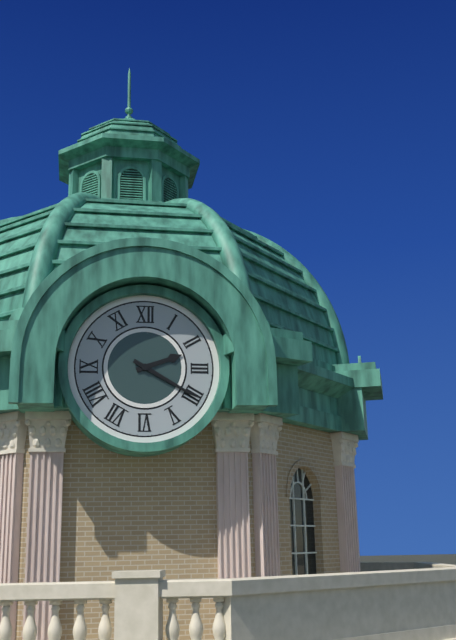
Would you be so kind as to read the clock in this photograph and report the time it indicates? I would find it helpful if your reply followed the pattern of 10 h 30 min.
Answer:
2 h 20 min
